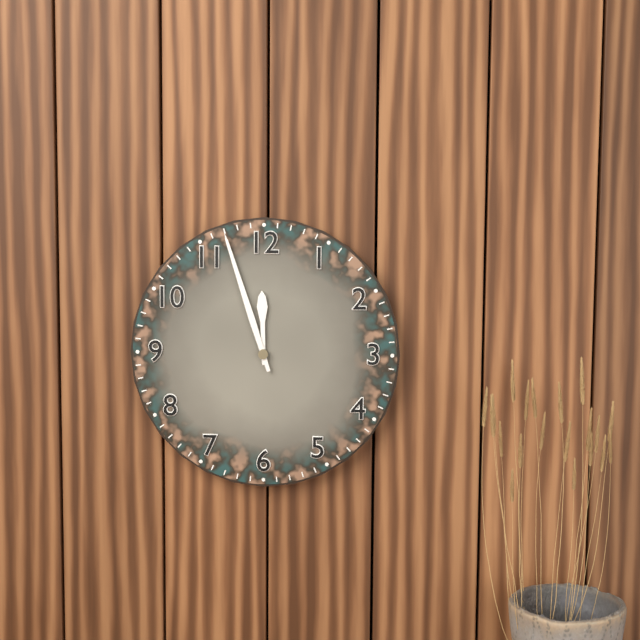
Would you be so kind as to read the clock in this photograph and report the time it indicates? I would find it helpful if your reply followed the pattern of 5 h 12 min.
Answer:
11 h 57 min
